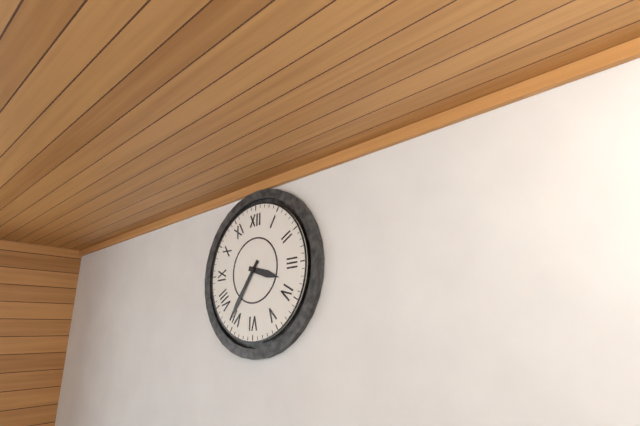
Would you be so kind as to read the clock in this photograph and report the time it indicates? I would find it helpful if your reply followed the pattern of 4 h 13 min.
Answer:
3 h 36 min
